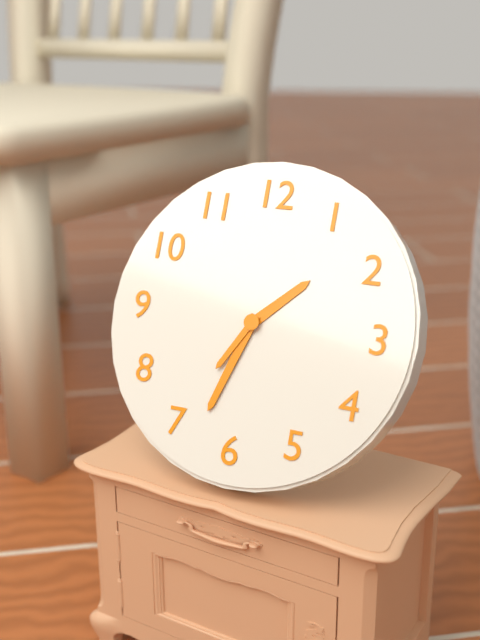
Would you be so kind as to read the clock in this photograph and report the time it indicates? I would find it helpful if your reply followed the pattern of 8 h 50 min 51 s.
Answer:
1 h 33 min 35 s
